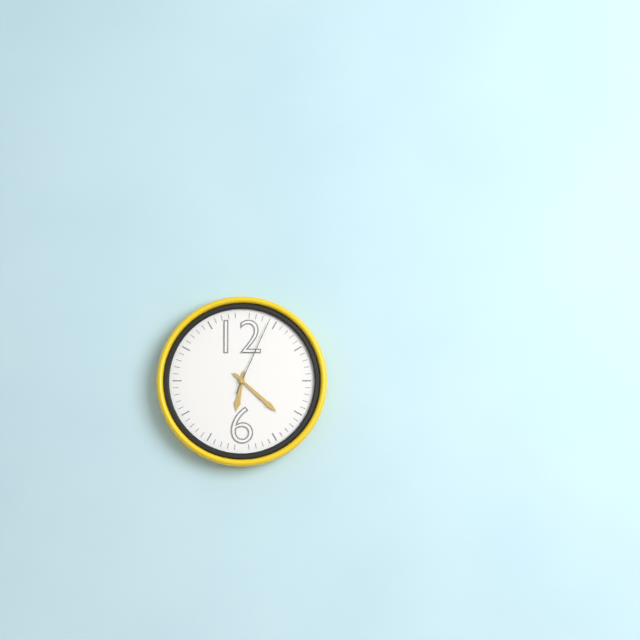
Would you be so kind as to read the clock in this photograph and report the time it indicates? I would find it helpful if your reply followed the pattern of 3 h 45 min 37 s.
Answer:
6 h 22 min 04 s
